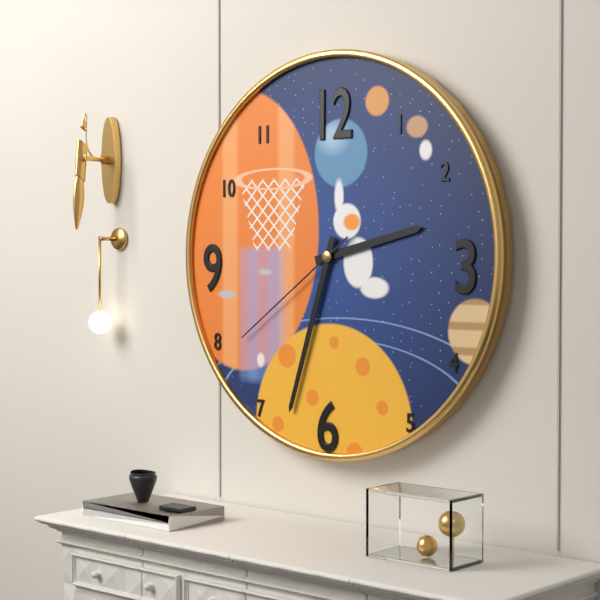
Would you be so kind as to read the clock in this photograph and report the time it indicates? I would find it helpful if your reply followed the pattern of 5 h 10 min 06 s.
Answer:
2 h 33 min 39 s
